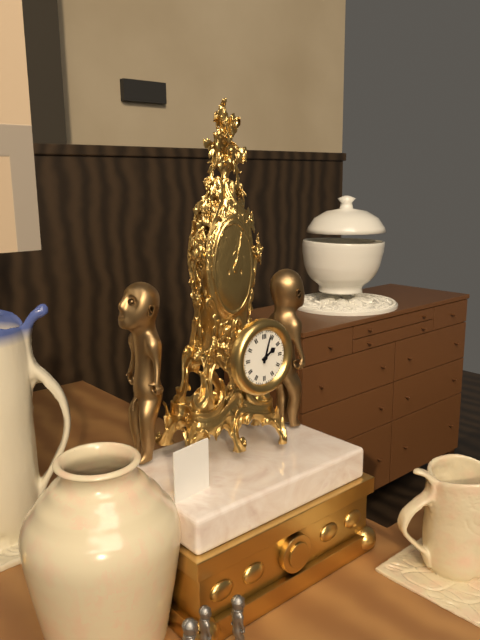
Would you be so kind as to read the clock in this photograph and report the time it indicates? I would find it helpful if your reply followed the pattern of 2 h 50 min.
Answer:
2 h 03 min
